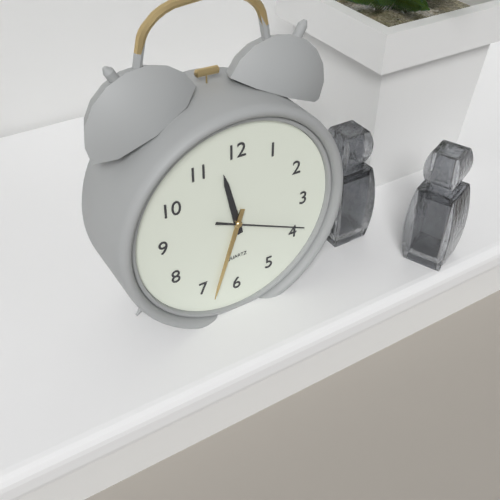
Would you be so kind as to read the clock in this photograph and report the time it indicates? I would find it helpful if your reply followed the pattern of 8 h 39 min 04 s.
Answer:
11 h 33 min 19 s
